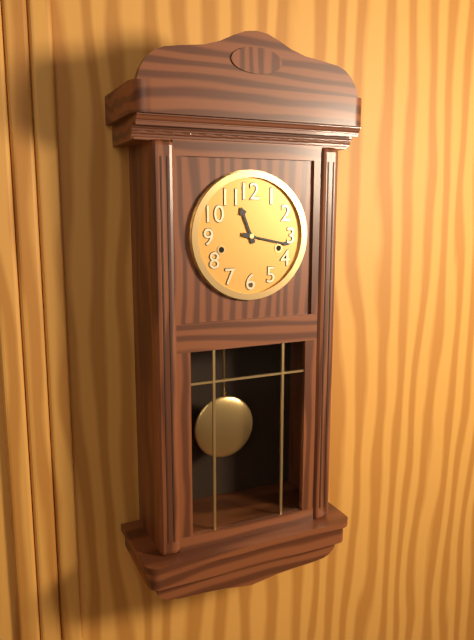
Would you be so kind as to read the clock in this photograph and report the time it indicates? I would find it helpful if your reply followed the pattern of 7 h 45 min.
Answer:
11 h 17 min
